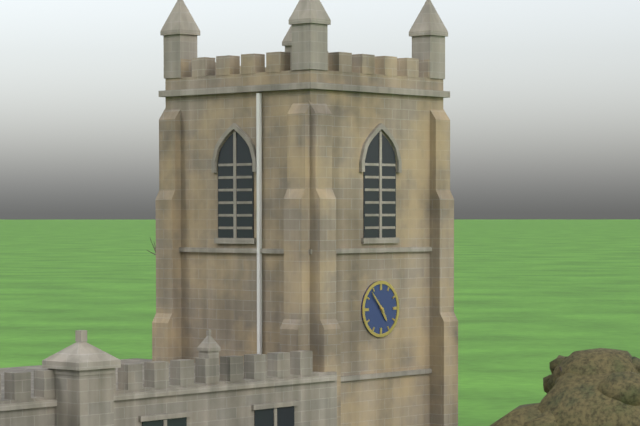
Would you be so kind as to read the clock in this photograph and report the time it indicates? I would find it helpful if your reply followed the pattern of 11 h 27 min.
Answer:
4 h 53 min
